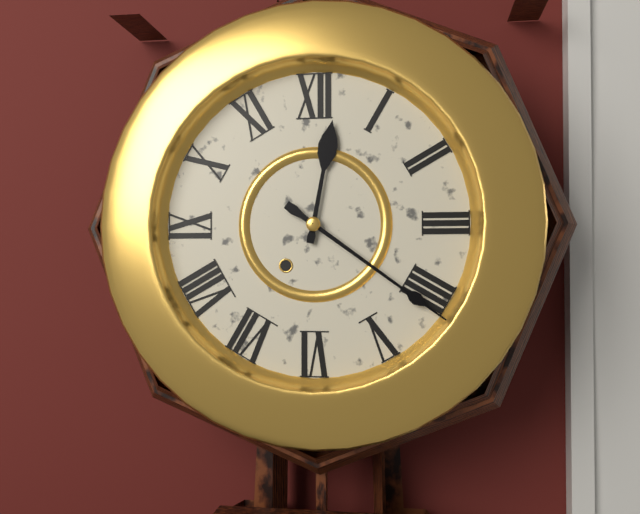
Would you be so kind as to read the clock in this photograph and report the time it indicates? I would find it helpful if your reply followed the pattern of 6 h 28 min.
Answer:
12 h 21 min
